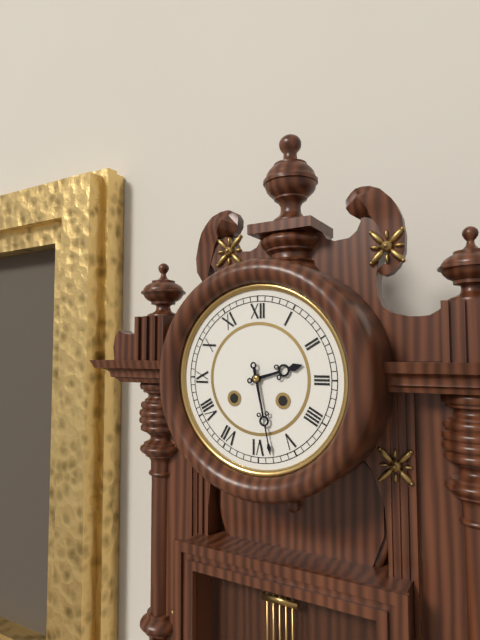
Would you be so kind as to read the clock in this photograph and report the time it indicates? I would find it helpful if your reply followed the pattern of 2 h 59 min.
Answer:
2 h 28 min
